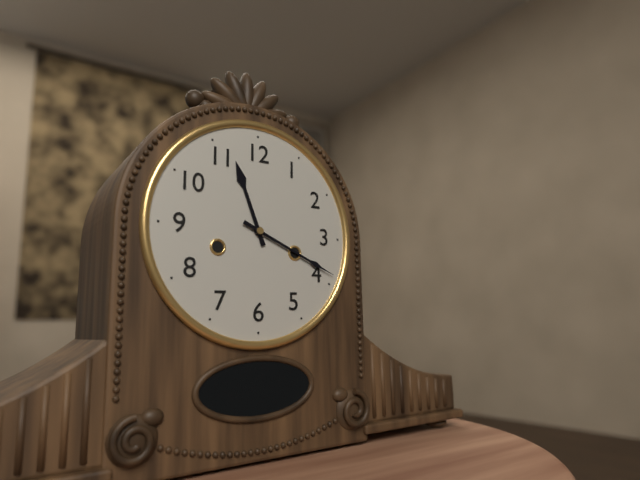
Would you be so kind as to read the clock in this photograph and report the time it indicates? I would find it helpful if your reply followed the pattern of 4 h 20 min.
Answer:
11 h 19 min
